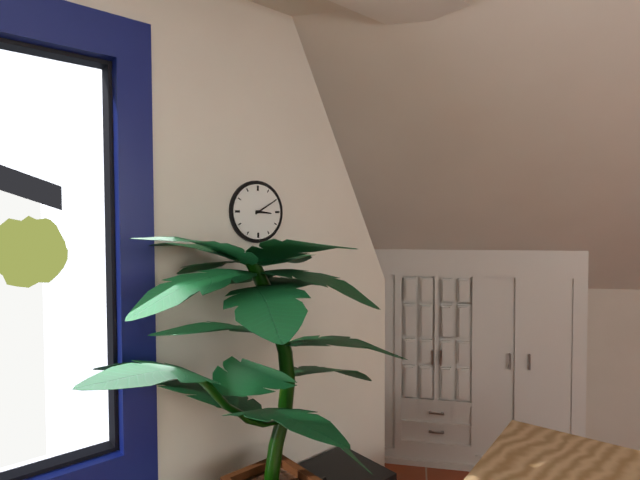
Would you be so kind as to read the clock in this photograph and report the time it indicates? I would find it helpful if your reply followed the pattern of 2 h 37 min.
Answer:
3 h 10 min
